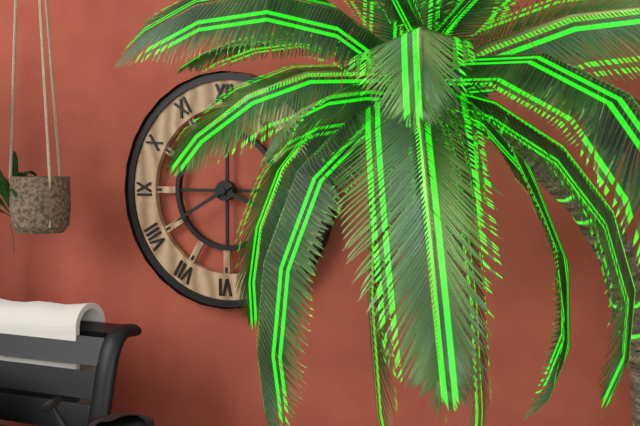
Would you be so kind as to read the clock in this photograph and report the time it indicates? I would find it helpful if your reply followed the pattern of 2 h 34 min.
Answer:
3 h 40 min
